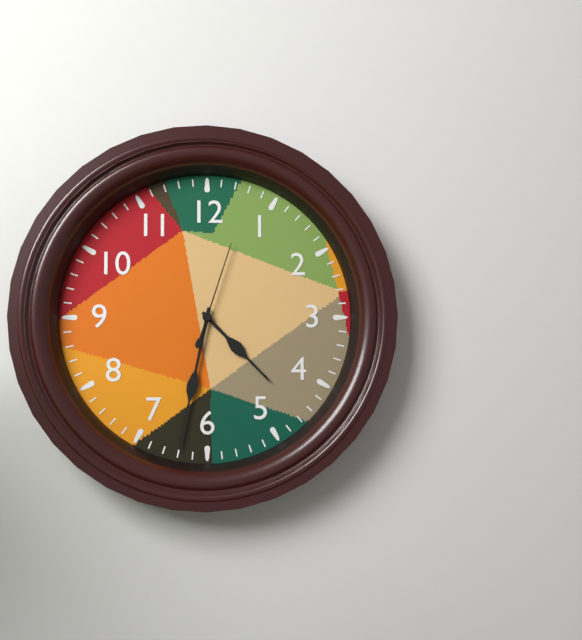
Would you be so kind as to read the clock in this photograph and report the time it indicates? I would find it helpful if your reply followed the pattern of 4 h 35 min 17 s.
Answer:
4 h 32 min 03 s
